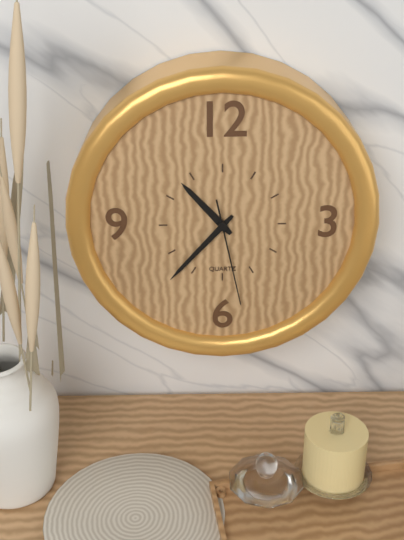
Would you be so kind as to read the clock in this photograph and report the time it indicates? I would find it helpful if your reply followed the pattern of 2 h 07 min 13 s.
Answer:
10 h 37 min 28 s
